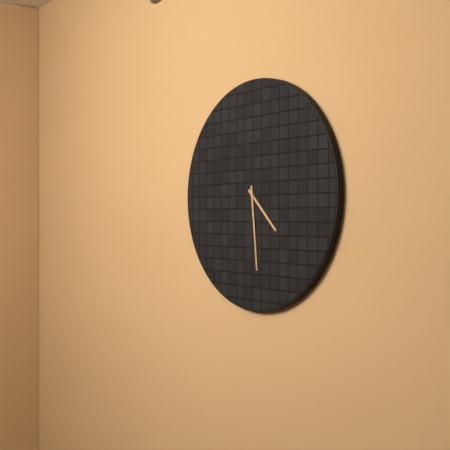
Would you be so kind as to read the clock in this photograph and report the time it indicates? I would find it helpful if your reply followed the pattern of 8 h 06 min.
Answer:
4 h 29 min
